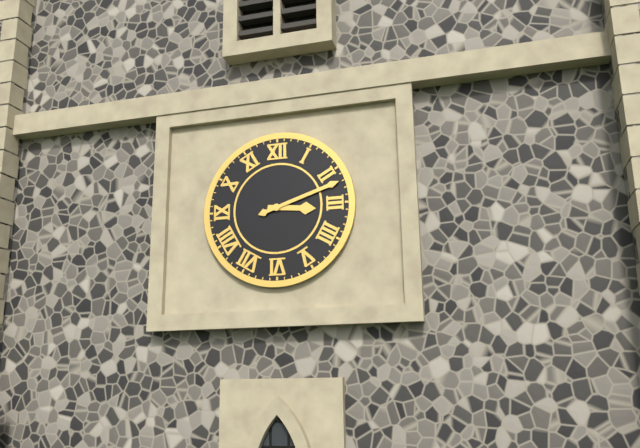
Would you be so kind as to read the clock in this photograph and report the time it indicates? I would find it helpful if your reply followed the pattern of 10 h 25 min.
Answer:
3 h 12 min
